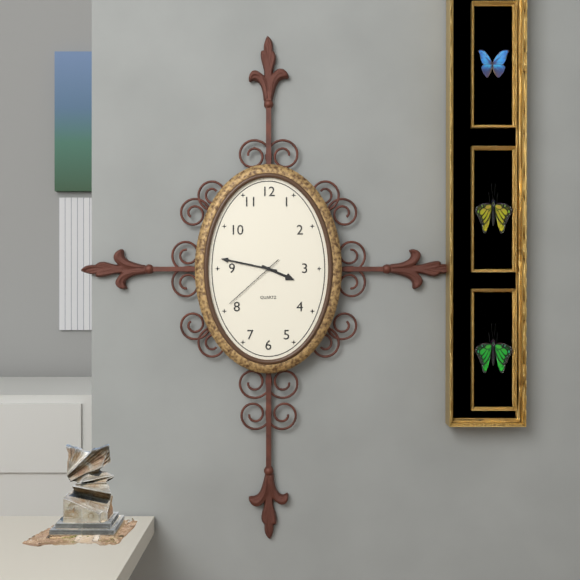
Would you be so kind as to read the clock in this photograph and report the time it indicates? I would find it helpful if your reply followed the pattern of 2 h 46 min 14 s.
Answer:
3 h 47 min 38 s
